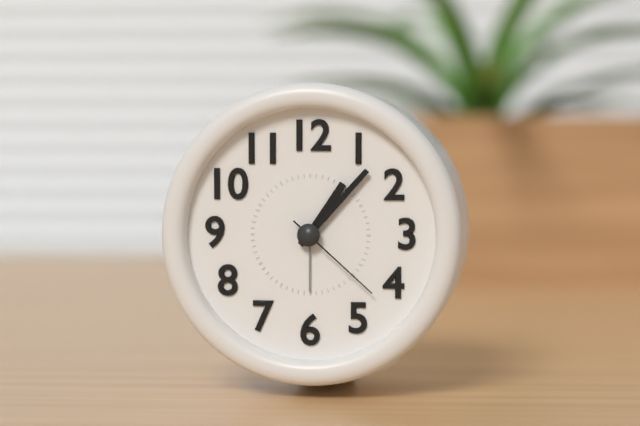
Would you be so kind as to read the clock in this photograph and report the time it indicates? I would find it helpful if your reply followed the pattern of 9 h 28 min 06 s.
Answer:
1 h 07 min 22 s
